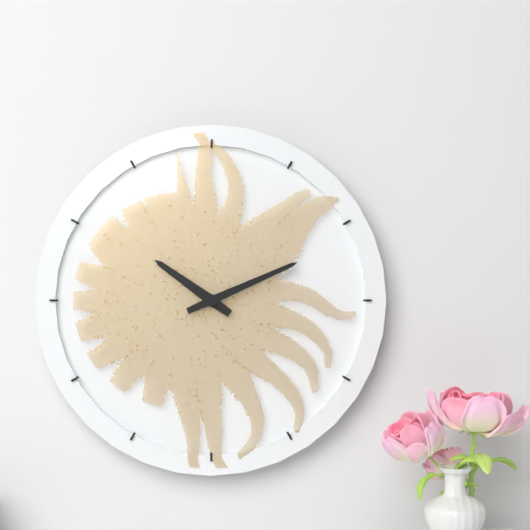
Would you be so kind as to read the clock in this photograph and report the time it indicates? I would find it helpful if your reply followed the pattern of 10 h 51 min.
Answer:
10 h 11 min
